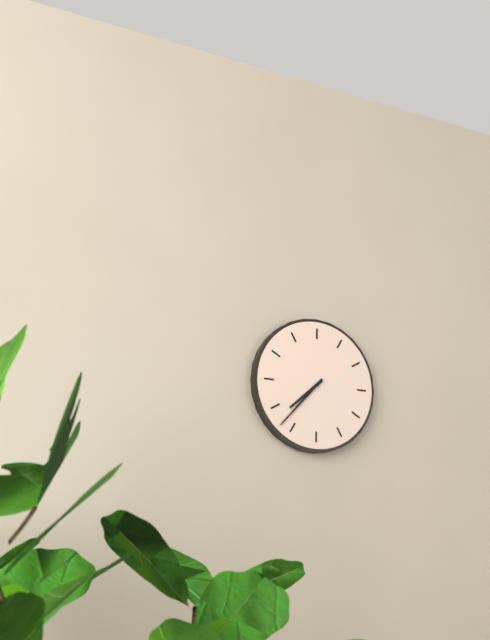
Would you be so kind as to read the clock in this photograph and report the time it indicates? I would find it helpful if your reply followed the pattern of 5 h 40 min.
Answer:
7 h 37 min
